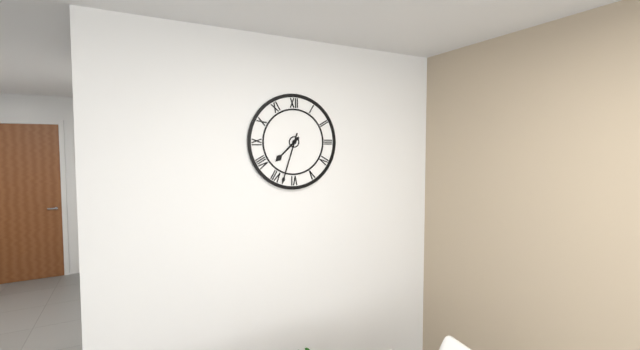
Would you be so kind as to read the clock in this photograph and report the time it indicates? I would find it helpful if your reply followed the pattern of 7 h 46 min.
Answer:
7 h 33 min
